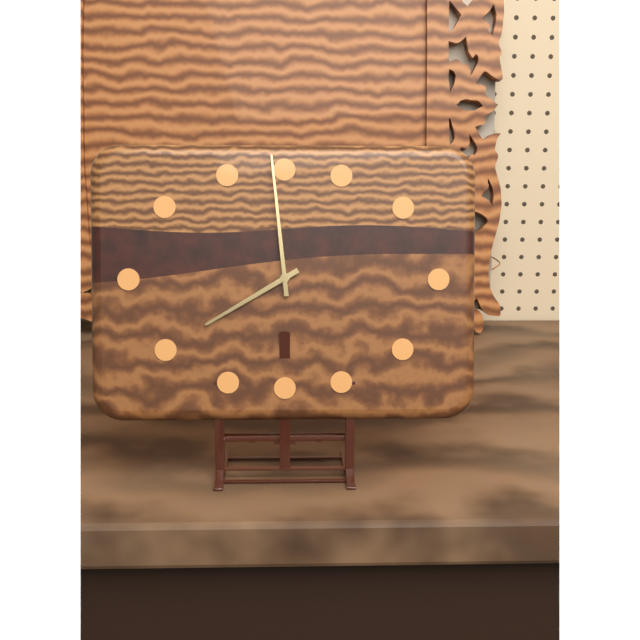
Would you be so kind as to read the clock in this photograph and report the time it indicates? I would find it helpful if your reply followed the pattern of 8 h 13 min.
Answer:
7 h 59 min
